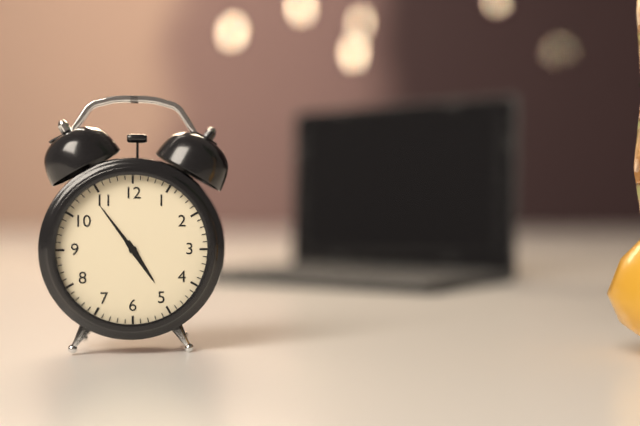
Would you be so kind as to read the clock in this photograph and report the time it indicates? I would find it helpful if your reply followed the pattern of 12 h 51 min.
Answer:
4 h 54 min
